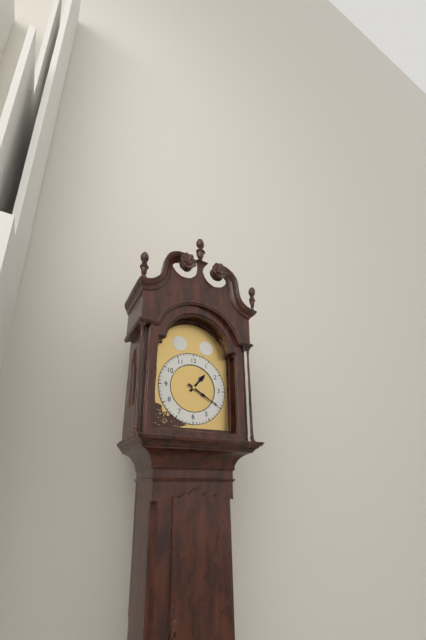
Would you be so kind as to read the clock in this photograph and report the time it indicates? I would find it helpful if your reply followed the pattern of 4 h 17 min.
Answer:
1 h 20 min
